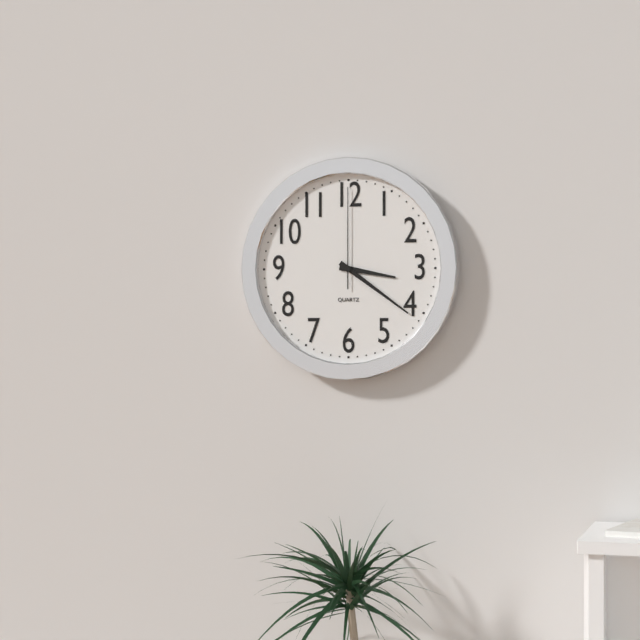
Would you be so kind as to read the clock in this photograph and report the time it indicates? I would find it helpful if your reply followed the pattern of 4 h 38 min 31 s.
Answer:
3 h 21 min 00 s
